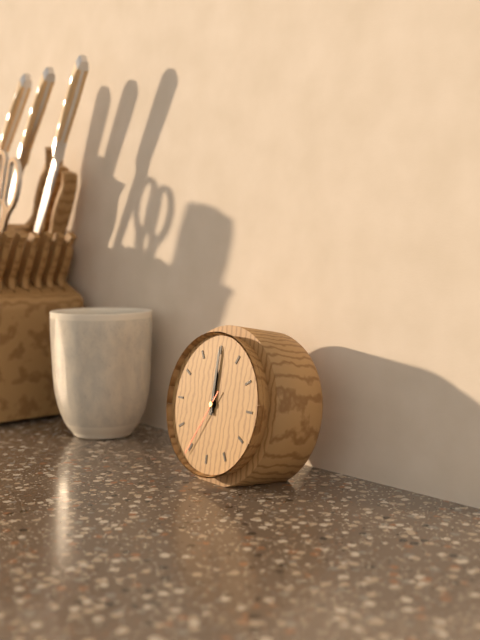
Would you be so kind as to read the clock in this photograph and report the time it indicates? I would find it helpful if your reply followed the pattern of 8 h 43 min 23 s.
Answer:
12 h 00 min 35 s
